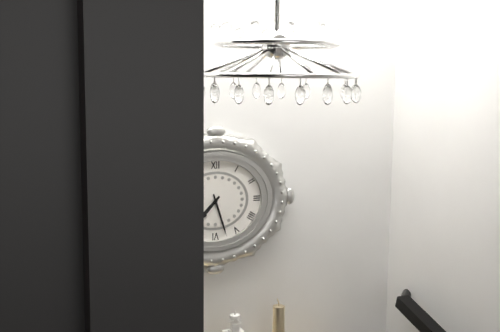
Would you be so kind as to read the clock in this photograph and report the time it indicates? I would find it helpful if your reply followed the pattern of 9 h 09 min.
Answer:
7 h 27 min
